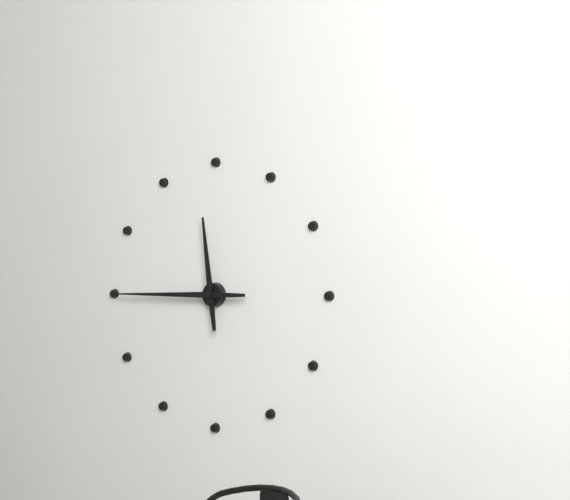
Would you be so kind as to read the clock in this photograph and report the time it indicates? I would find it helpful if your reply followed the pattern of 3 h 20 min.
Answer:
11 h 45 min
